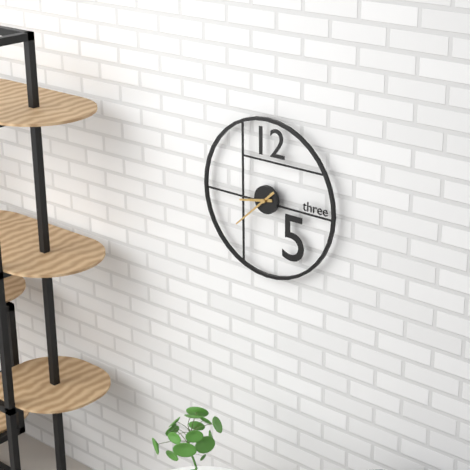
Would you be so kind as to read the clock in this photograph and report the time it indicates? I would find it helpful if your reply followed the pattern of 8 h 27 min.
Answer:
8 h 38 min
